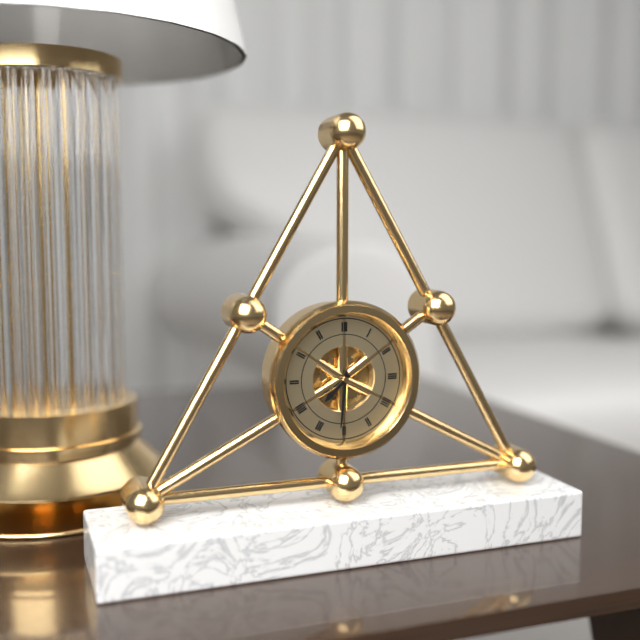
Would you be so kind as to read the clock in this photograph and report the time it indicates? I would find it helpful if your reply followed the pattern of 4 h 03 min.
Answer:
7 h 31 min
